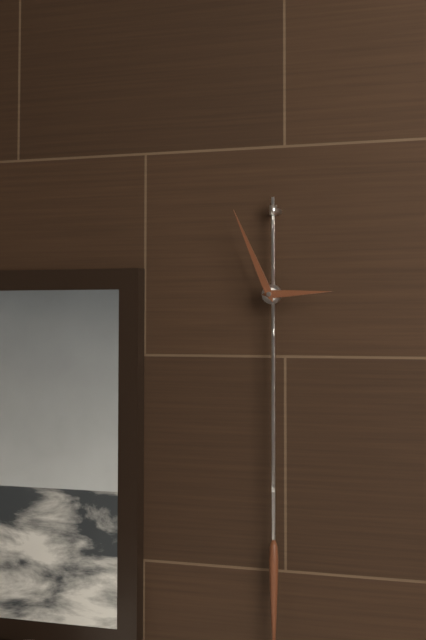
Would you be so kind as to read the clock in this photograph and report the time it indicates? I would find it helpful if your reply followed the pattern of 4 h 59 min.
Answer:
2 h 56 min
